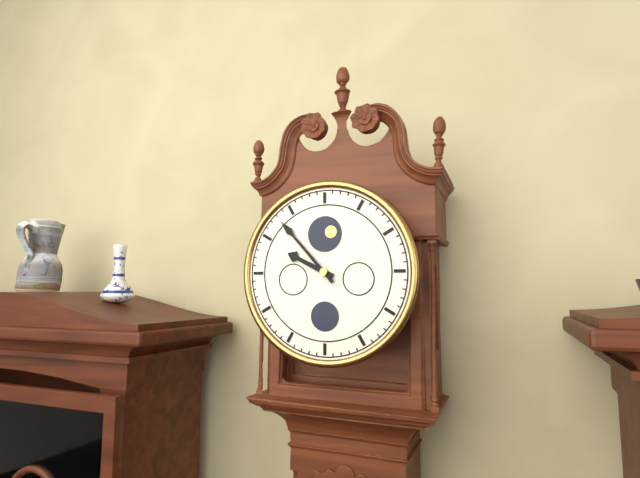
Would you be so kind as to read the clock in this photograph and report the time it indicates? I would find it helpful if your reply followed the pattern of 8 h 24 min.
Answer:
9 h 53 min
